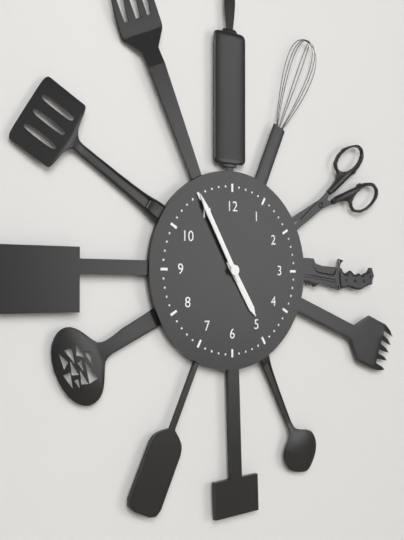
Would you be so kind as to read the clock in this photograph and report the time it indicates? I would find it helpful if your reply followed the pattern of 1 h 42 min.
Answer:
4 h 55 min
